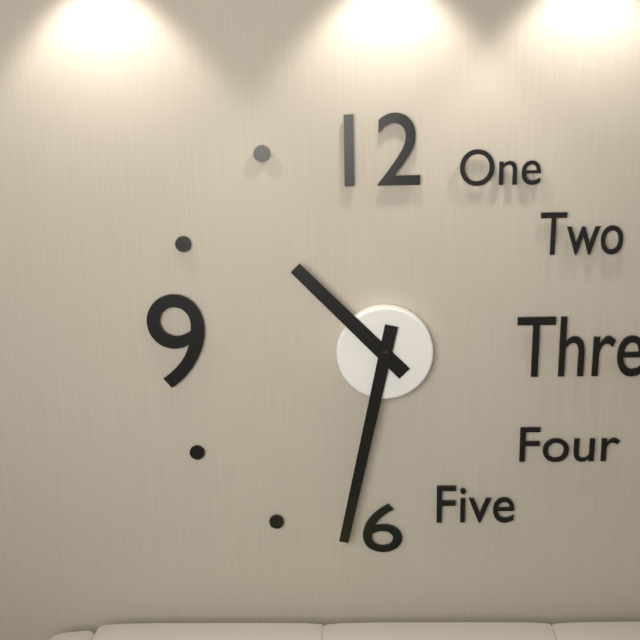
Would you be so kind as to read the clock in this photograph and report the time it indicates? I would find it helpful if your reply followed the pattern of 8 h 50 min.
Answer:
10 h 32 min
